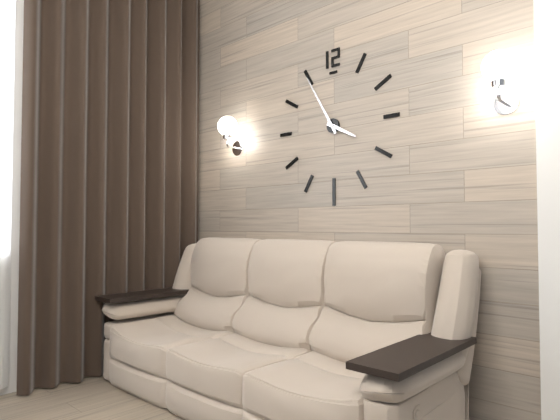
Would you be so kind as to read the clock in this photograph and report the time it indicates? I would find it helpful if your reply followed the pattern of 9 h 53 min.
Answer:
3 h 55 min
